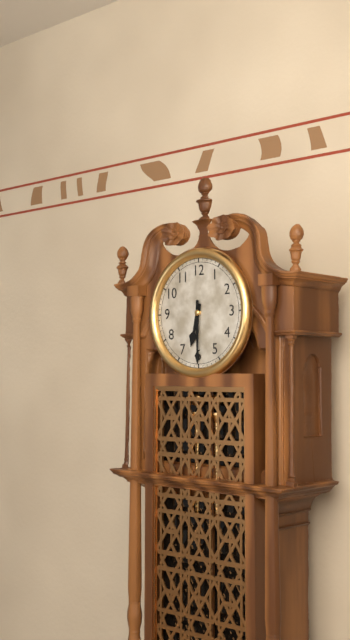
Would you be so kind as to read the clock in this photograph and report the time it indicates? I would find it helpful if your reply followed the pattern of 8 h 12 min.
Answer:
6 h 30 min
